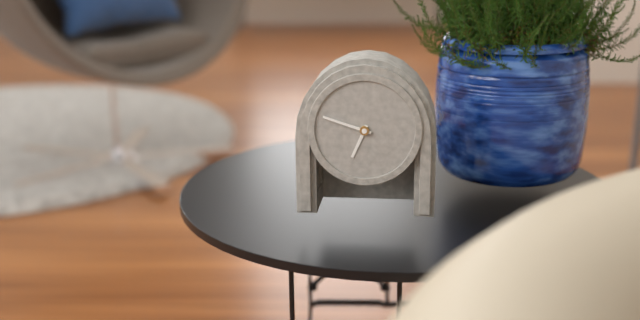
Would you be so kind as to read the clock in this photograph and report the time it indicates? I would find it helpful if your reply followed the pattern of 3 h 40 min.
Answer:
6 h 48 min
